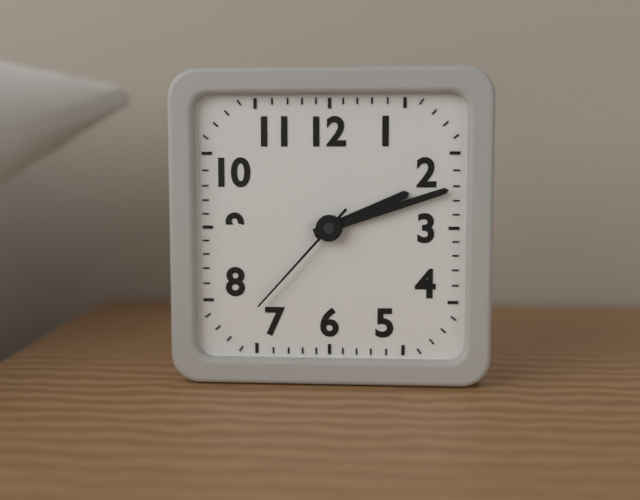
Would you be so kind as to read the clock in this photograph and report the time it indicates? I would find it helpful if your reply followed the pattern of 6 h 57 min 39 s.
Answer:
2 h 12 min 37 s
